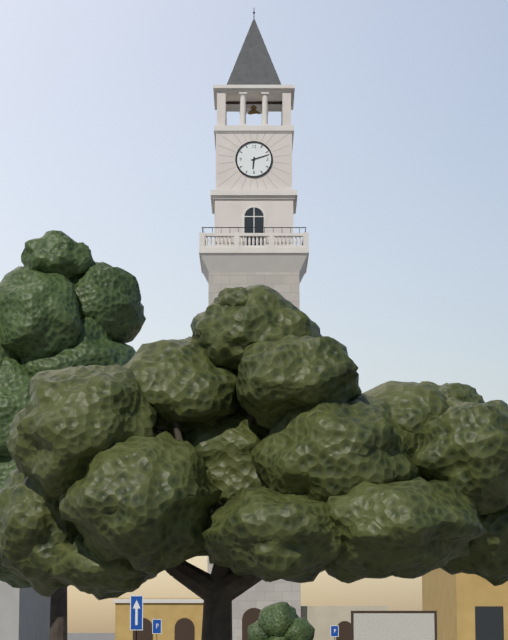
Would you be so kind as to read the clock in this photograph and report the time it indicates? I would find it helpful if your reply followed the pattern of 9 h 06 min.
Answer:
6 h 12 min
